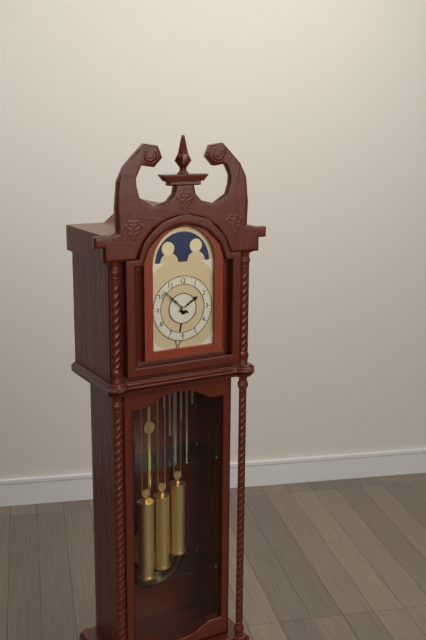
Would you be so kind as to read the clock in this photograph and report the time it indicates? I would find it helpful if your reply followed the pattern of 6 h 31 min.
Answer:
1 h 52 min
